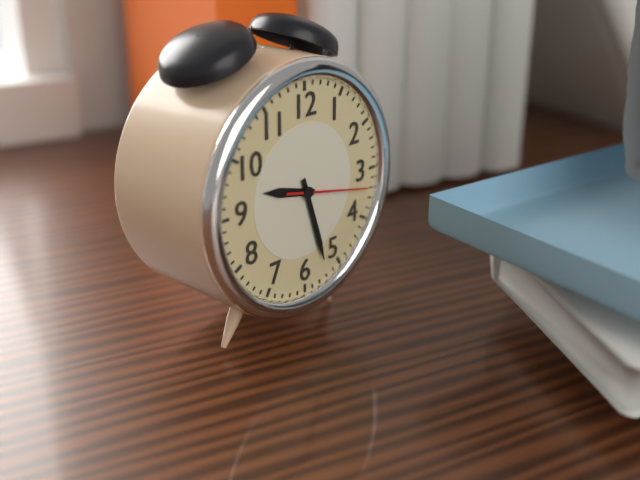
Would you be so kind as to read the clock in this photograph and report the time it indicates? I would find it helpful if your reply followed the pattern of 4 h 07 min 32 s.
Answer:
9 h 27 min 17 s
